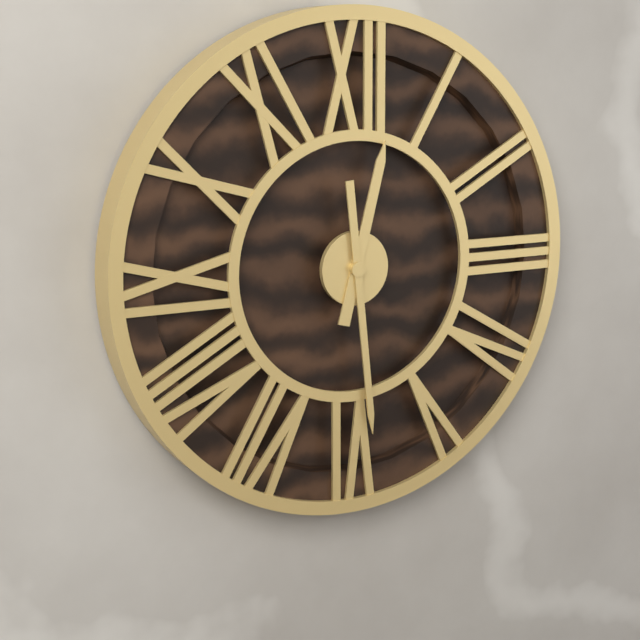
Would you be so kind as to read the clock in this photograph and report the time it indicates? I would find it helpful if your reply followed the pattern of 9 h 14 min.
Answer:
12 h 29 min
